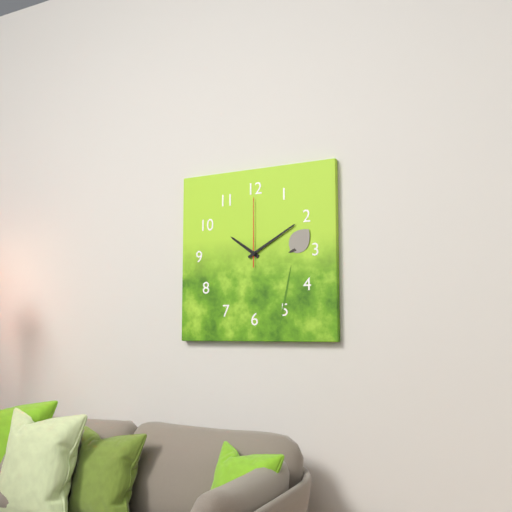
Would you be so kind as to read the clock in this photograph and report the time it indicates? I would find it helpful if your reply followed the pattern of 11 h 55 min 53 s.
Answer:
10 h 10 min 00 s
